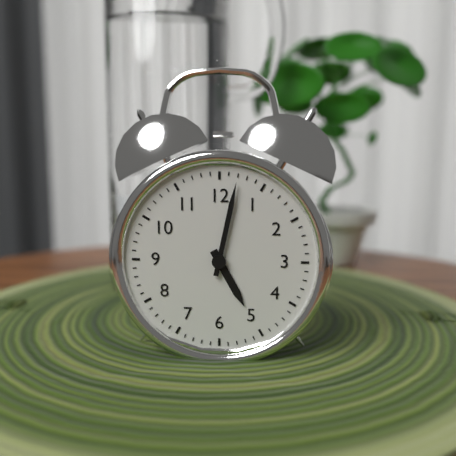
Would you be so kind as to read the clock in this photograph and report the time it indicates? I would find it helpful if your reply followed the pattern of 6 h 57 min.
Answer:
5 h 02 min
